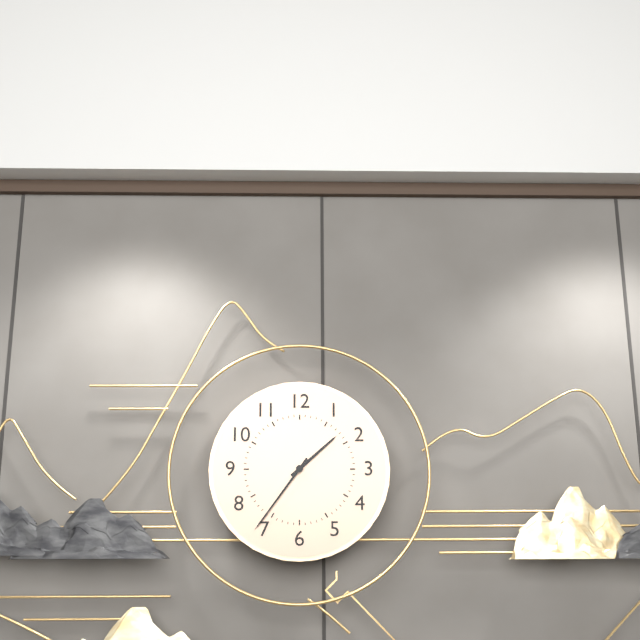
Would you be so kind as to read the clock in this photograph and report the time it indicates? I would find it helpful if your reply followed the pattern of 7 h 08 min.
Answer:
1 h 36 min
